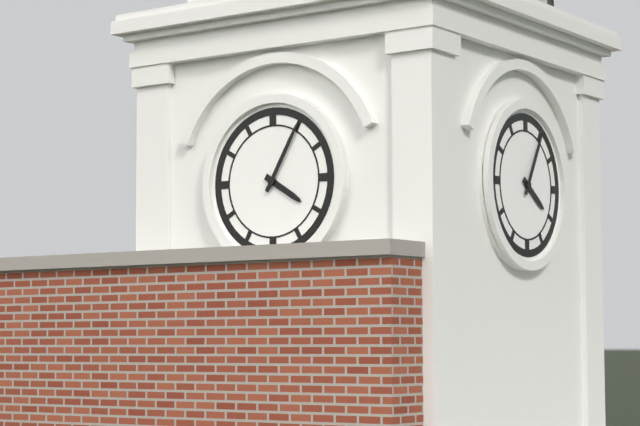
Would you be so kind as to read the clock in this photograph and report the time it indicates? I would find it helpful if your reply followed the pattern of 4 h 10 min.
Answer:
4 h 05 min
